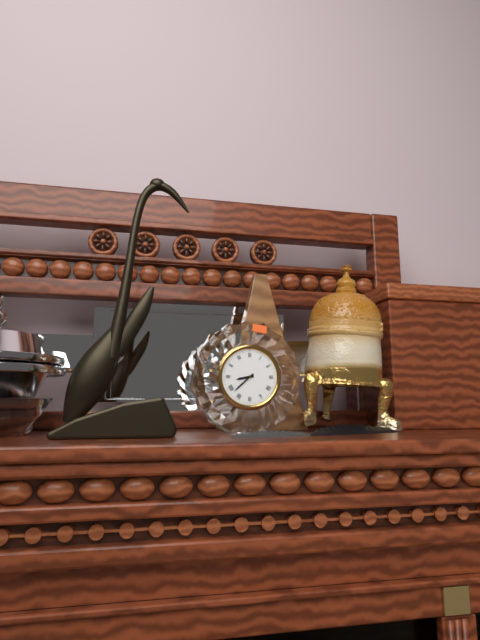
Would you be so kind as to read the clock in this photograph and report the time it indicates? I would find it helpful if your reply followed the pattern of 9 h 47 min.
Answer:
8 h 38 min
